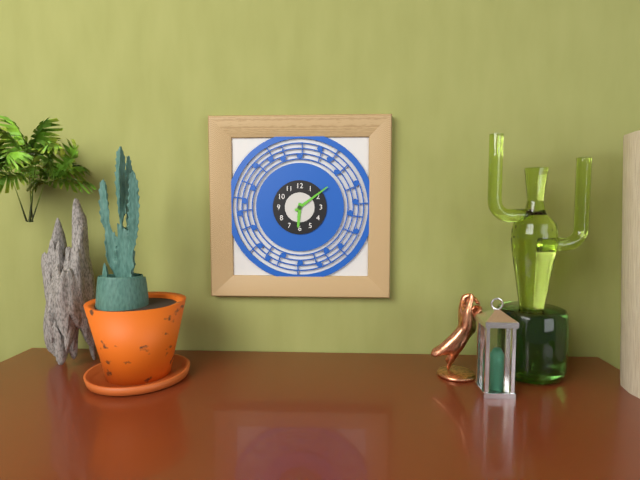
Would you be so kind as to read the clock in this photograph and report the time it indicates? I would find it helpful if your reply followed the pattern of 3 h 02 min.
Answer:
6 h 09 min
